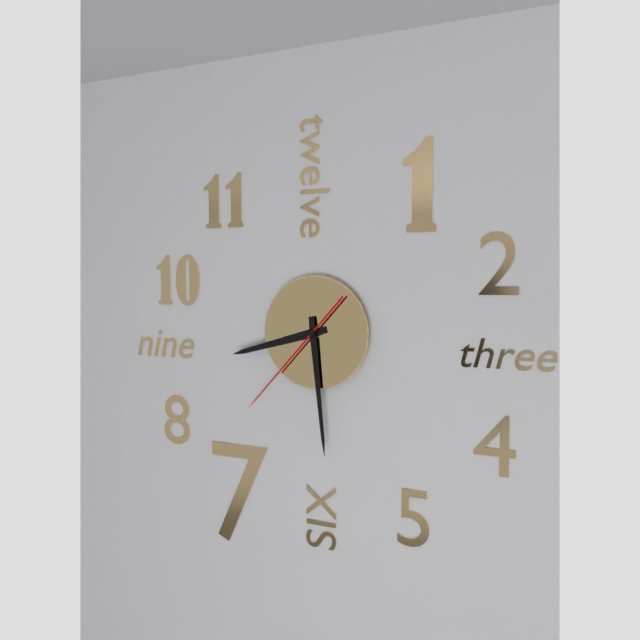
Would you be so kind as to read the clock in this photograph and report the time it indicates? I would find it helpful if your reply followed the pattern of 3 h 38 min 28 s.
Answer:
8 h 29 min 37 s
